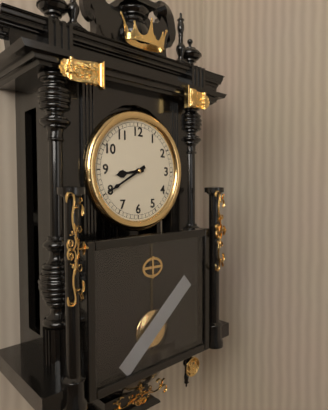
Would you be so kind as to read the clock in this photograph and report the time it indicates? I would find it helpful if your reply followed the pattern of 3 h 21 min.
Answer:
8 h 40 min
